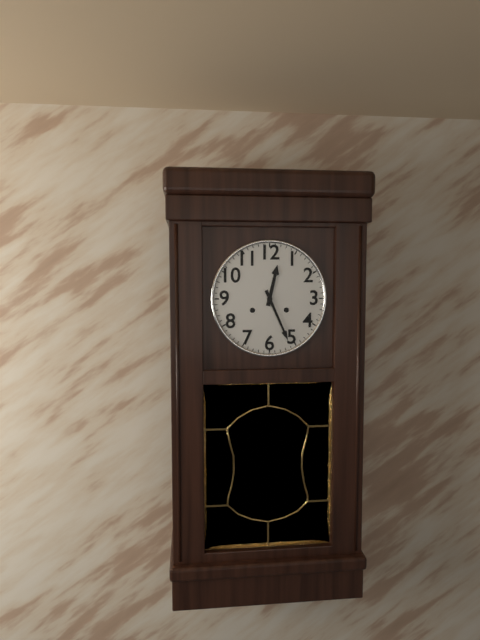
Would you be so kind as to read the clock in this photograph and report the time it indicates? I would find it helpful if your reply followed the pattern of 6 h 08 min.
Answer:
12 h 26 min
